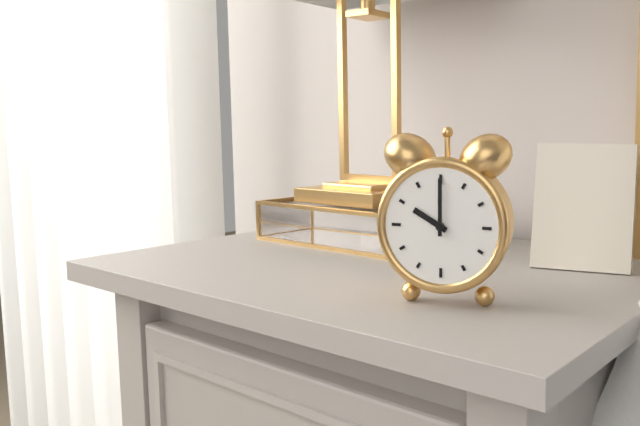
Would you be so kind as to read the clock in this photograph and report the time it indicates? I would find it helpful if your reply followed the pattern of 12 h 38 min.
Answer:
10 h 00 min
